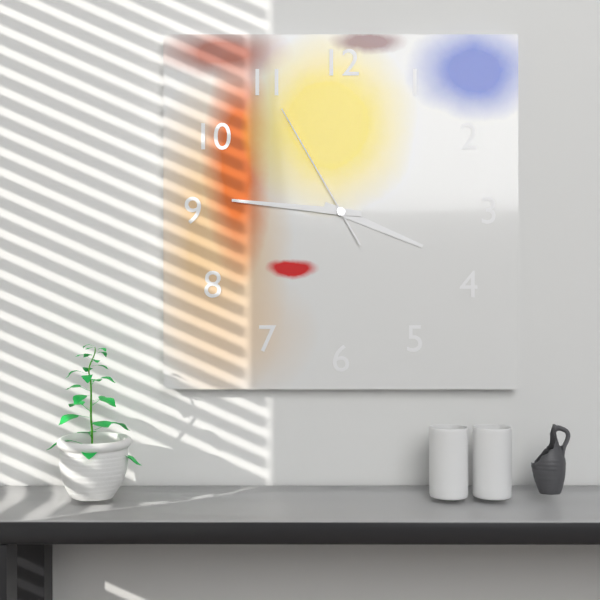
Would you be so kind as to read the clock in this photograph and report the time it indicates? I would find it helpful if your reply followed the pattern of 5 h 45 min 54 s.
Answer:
3 h 46 min 55 s
